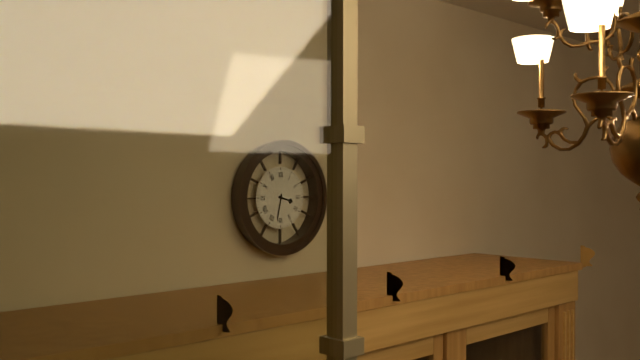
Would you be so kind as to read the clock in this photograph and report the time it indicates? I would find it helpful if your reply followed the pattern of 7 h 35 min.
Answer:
3 h 32 min
